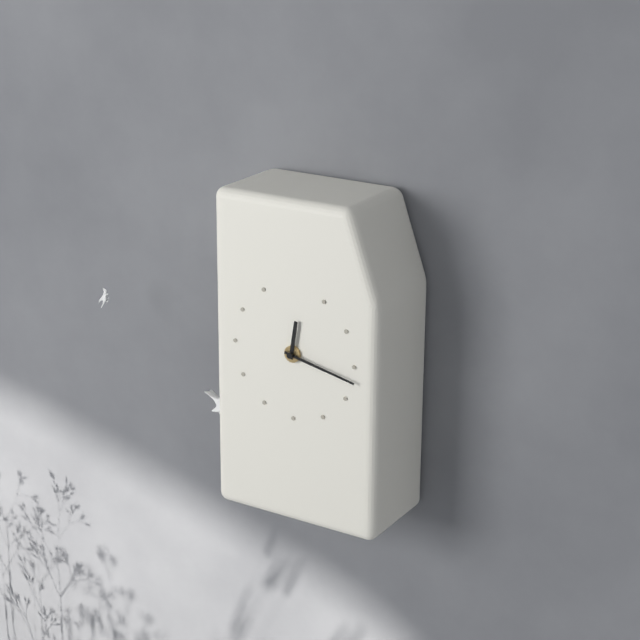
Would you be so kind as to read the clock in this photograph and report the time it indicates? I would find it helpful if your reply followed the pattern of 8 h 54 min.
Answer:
12 h 17 min
